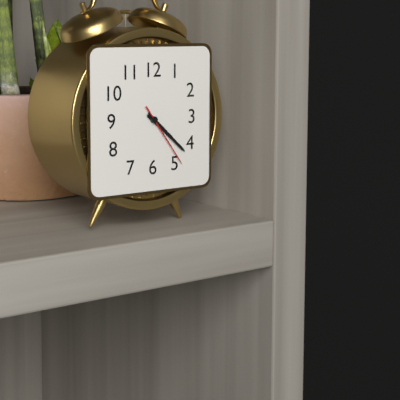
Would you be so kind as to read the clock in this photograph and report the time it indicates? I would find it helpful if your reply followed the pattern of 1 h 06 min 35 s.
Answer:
4 h 22 min 24 s
